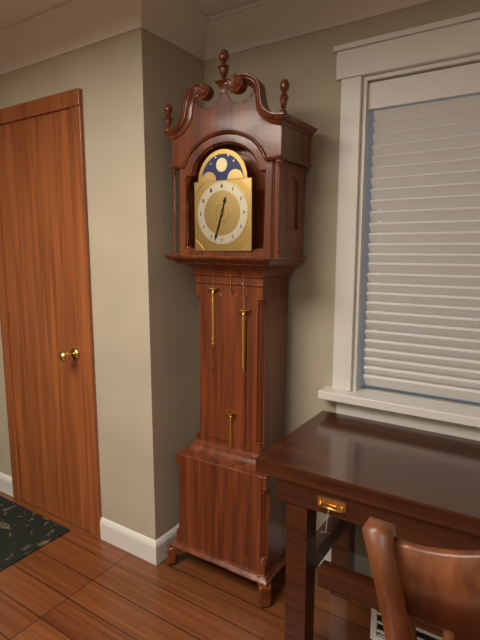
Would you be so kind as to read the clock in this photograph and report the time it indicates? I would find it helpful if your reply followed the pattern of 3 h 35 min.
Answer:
12 h 33 min
